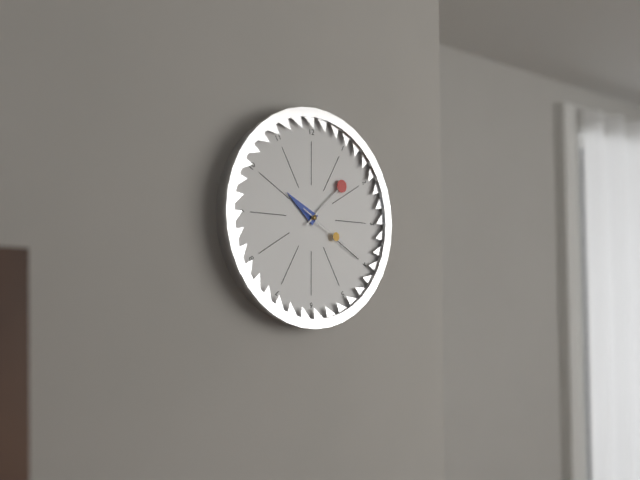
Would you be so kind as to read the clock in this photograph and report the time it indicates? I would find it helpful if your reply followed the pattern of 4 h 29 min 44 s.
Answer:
10 h 08 min 20 s
